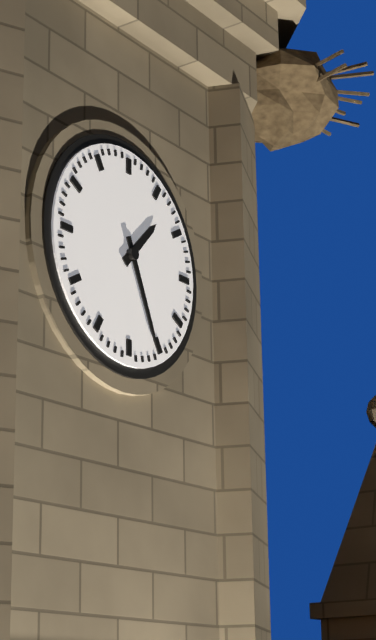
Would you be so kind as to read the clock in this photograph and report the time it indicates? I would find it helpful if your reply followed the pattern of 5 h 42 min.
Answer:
1 h 26 min
